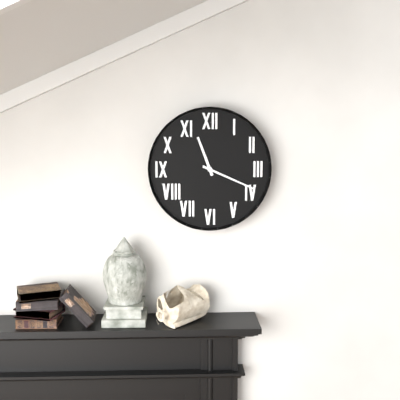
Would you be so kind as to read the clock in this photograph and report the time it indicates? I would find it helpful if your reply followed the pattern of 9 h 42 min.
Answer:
11 h 19 min
